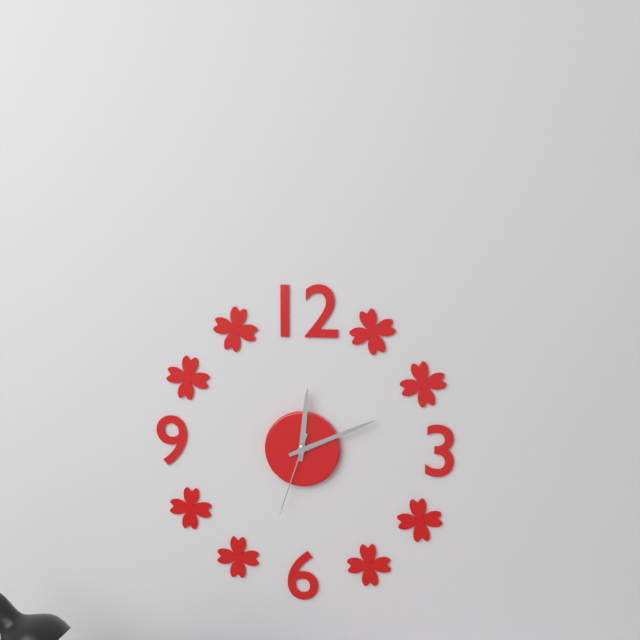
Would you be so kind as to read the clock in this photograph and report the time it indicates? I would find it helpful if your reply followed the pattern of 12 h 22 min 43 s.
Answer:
12 h 11 min 33 s
